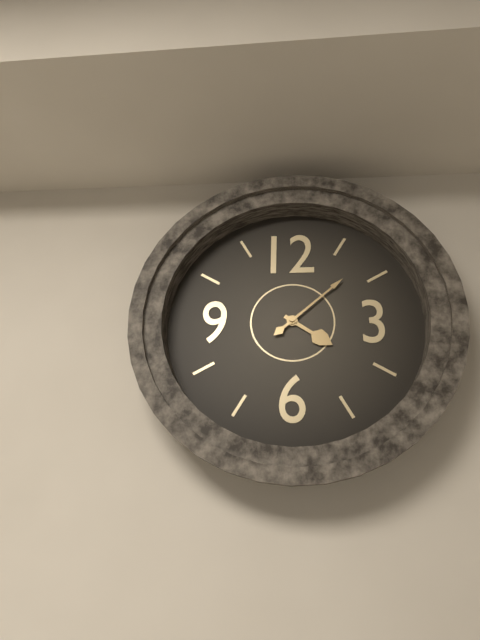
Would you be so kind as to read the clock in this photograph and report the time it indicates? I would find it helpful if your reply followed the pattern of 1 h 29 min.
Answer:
4 h 08 min
